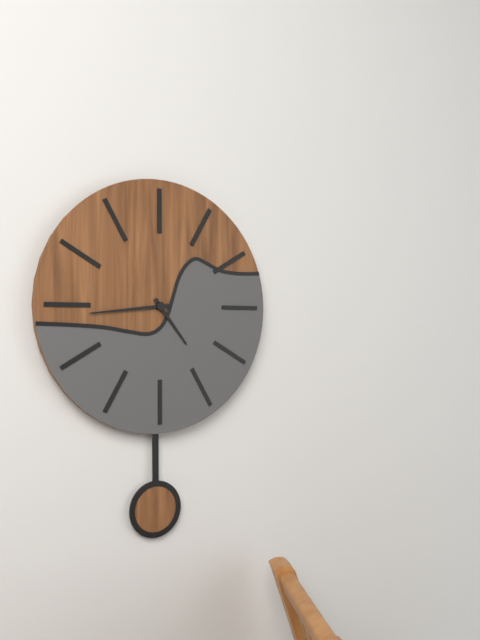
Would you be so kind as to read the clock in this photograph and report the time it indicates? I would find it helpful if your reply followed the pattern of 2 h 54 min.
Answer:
4 h 44 min
